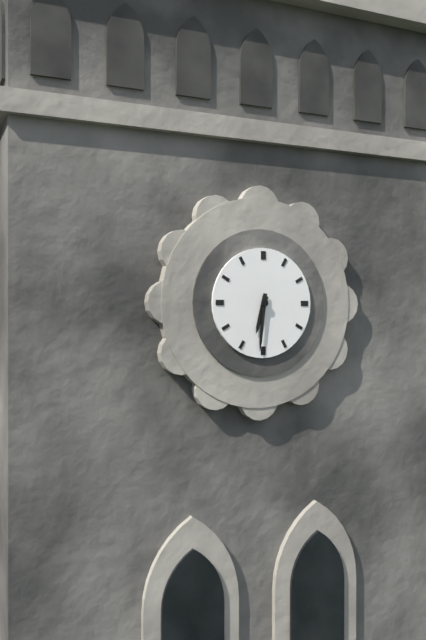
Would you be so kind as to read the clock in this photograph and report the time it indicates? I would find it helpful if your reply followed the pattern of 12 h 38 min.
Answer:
6 h 31 min
